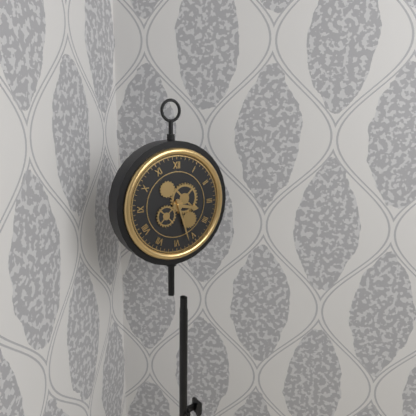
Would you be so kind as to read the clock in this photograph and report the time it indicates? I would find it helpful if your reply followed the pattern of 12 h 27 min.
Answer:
3 h 27 min
